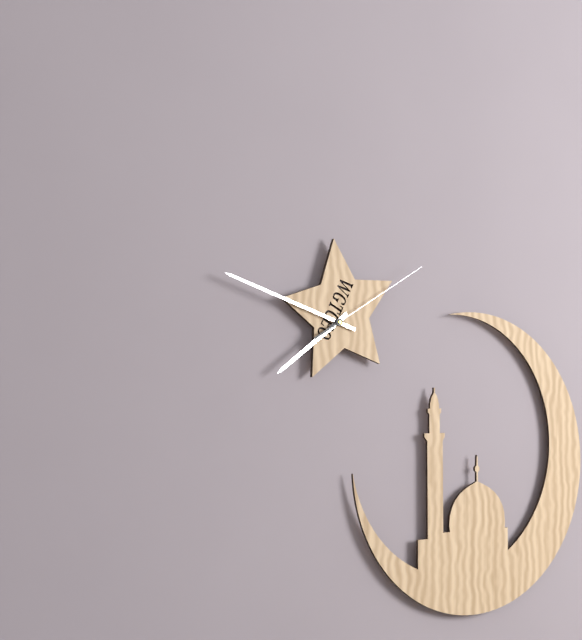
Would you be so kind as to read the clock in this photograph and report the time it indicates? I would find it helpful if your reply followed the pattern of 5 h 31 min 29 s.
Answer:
7 h 48 min 10 s
